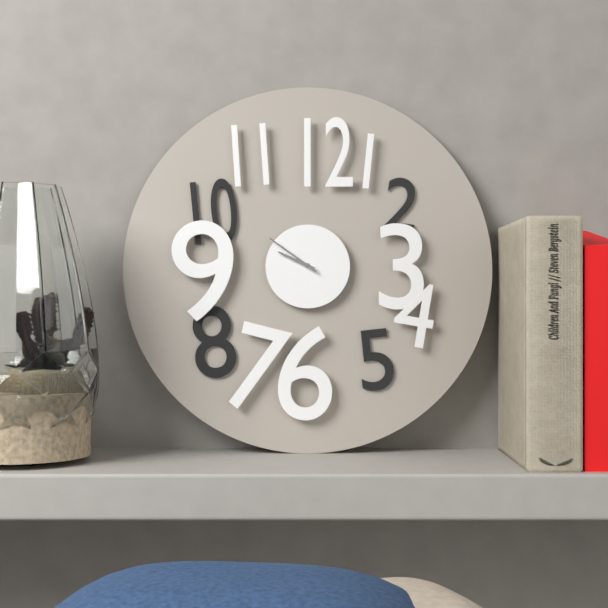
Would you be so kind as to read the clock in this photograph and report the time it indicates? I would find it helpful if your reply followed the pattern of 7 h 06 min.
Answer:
9 h 51 min
